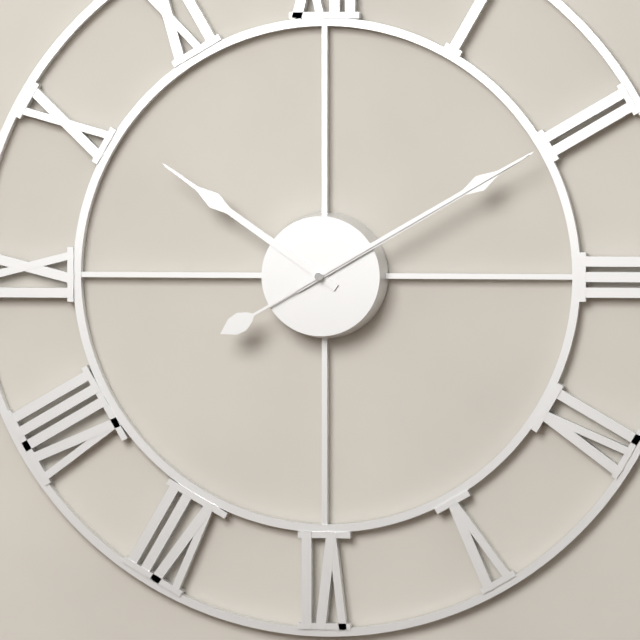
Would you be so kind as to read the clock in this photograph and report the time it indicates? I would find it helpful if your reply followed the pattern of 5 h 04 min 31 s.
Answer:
10 h 10 min 10 s
